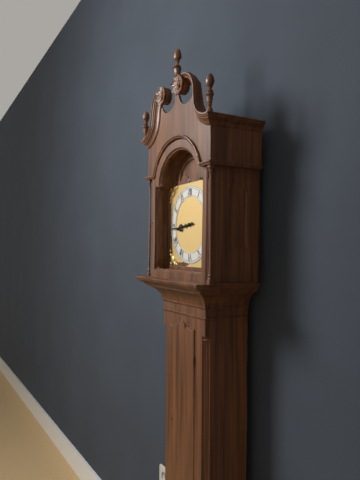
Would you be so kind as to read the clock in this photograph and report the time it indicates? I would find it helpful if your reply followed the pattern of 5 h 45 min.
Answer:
8 h 44 min
